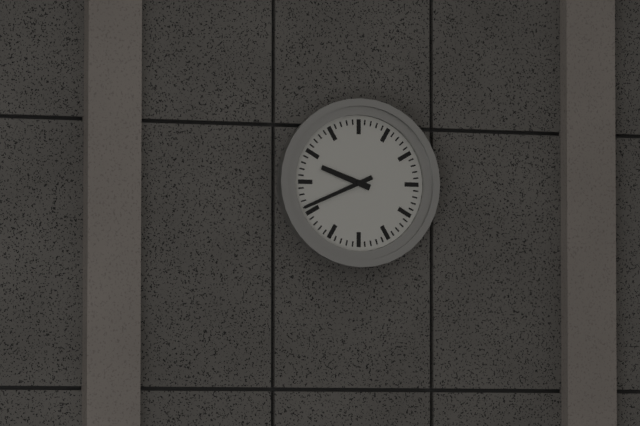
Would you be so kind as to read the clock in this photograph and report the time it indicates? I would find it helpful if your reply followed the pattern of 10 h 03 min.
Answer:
9 h 41 min
